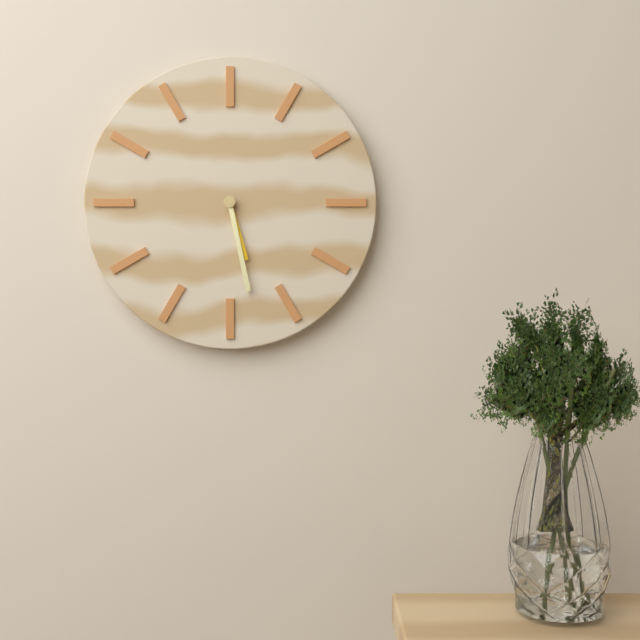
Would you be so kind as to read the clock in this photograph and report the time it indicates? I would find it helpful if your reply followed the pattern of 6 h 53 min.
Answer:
5 h 28 min
